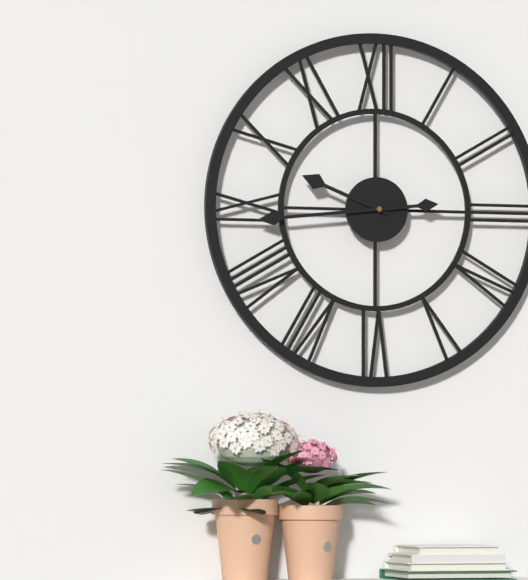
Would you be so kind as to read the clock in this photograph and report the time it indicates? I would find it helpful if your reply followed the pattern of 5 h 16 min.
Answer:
9 h 44 min
